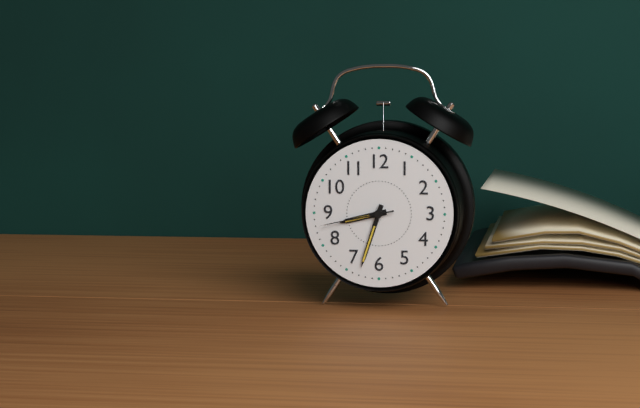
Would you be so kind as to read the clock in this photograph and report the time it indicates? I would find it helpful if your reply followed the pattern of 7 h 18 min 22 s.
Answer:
8 h 33 min 43 s
